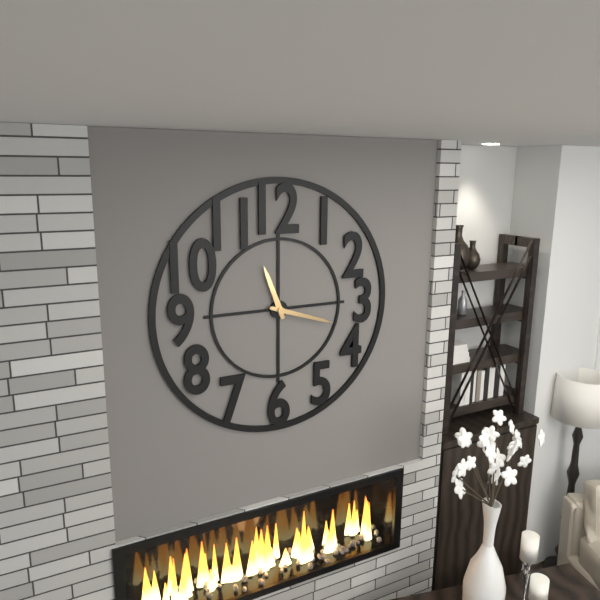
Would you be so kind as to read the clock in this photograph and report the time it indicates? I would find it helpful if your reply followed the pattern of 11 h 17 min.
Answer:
11 h 18 min
